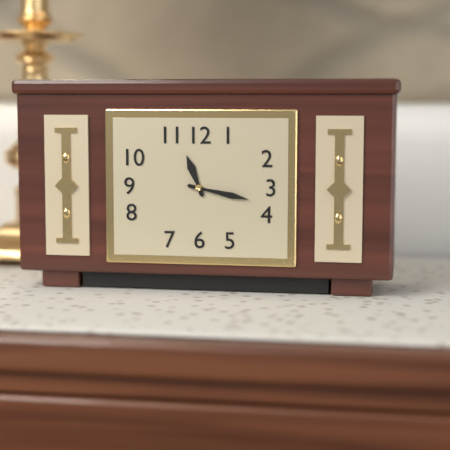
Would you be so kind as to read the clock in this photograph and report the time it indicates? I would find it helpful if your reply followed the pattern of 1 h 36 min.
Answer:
11 h 17 min
